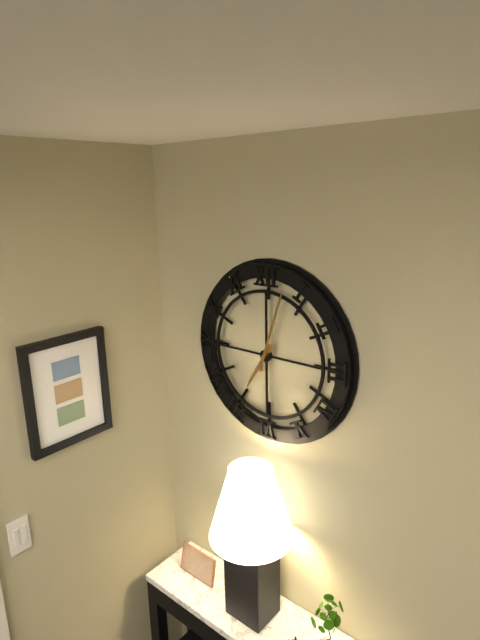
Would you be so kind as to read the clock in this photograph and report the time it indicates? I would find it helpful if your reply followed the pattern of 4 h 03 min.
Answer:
7 h 03 min
